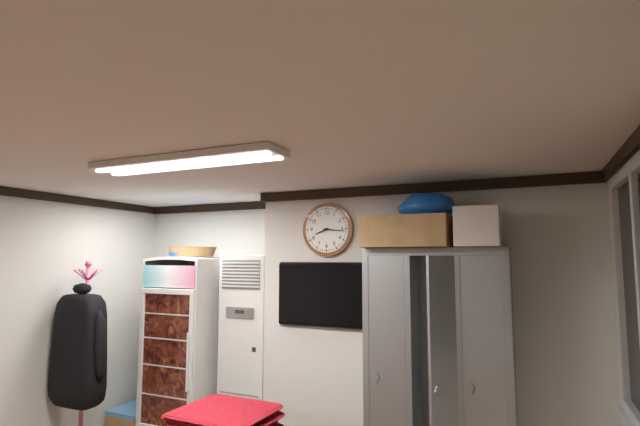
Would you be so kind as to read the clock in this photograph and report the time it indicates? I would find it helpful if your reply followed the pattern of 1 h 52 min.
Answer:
8 h 16 min
